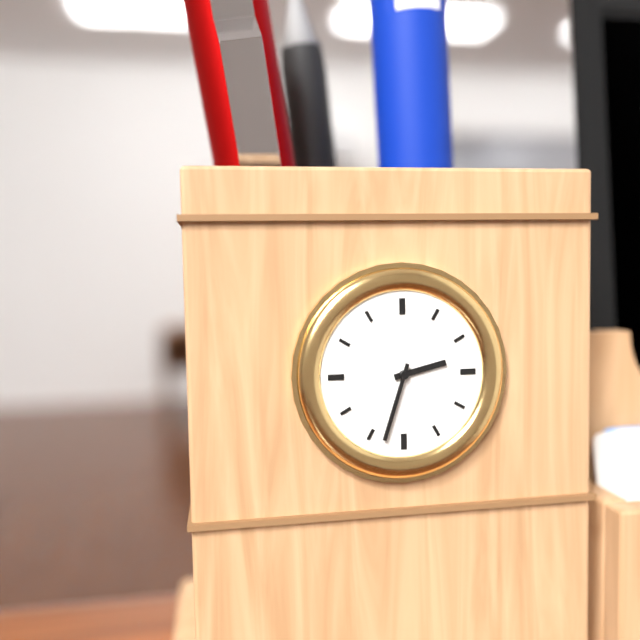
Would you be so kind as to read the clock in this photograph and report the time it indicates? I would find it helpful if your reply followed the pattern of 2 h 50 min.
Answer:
2 h 33 min
